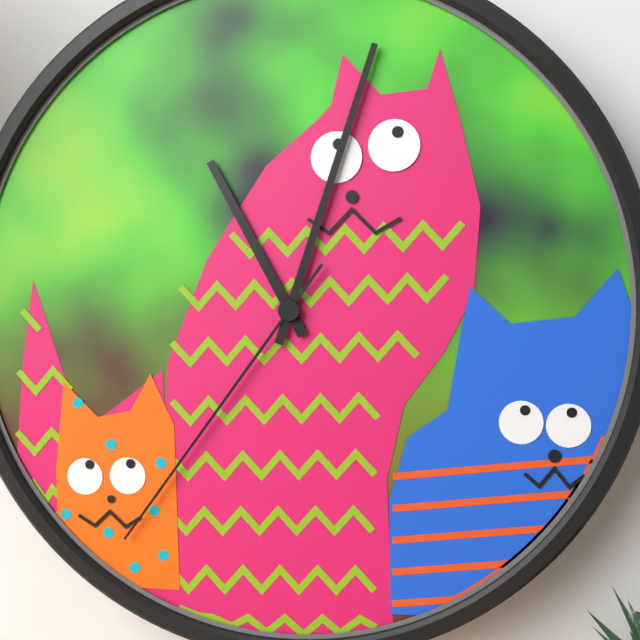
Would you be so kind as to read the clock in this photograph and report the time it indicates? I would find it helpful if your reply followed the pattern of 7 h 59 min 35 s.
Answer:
11 h 03 min 36 s
